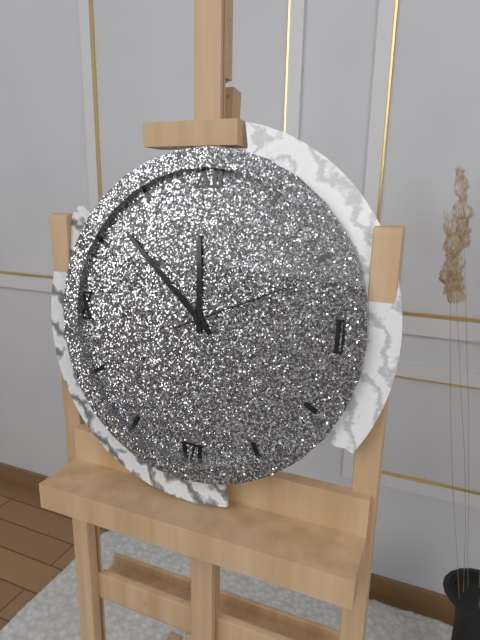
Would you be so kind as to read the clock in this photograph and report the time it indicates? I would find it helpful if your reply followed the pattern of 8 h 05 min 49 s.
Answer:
11 h 52 min 11 s
